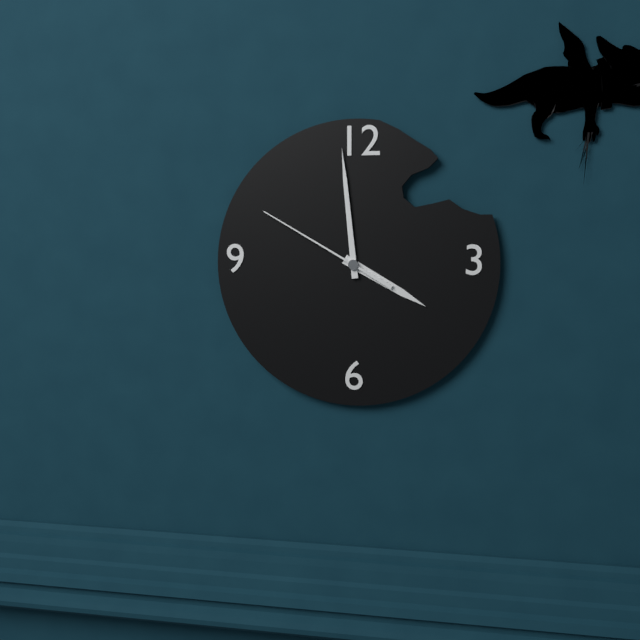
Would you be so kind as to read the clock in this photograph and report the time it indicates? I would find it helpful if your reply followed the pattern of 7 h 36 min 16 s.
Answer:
3 h 59 min 50 s
